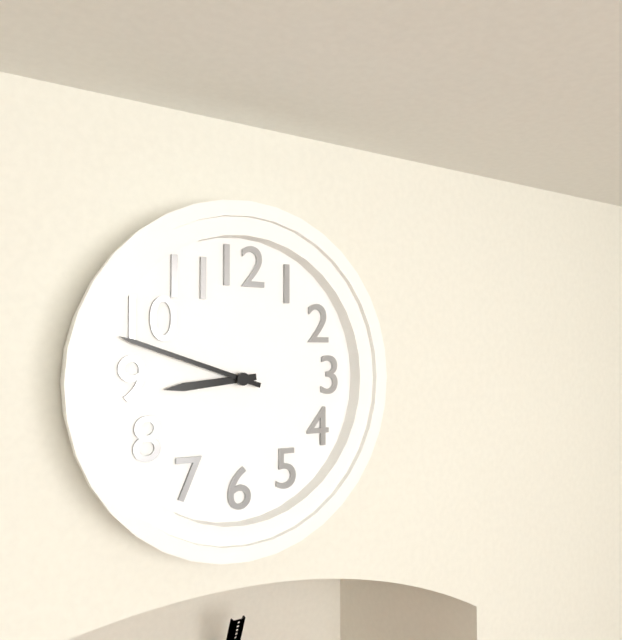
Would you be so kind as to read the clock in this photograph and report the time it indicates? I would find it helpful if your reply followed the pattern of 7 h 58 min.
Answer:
8 h 48 min
